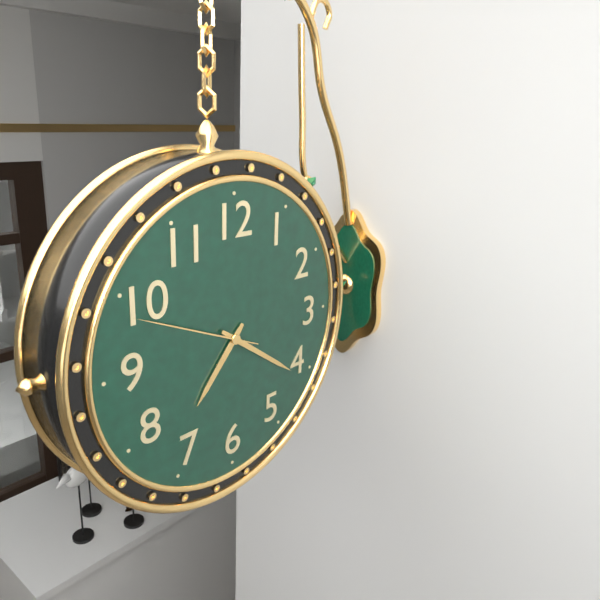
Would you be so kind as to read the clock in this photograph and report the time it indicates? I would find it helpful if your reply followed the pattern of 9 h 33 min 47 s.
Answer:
7 h 21 min 49 s
